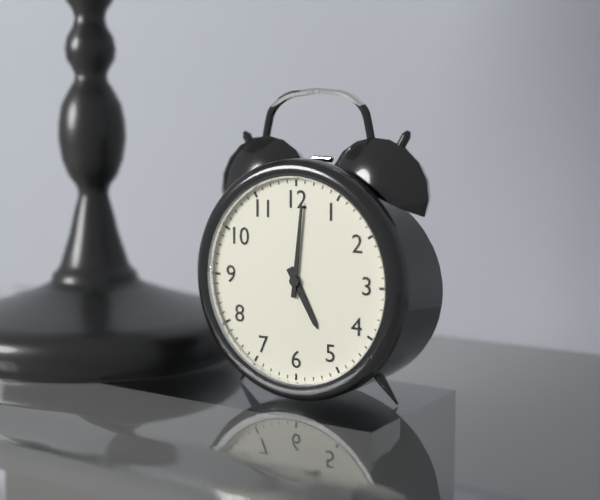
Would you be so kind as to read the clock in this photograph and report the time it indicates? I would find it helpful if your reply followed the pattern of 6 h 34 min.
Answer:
5 h 01 min
